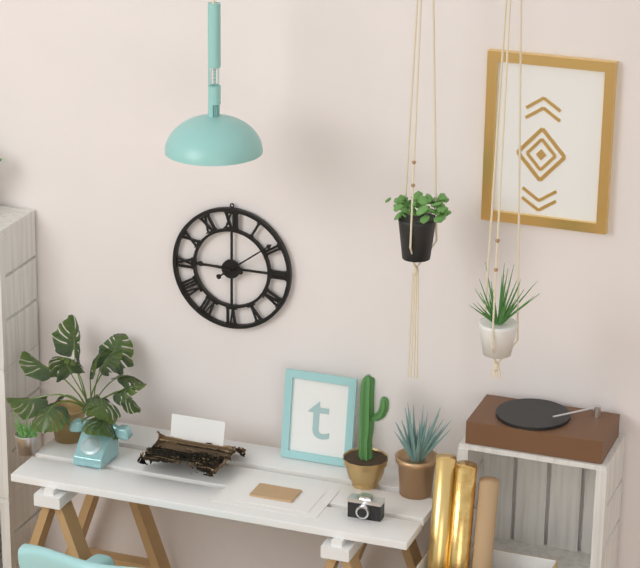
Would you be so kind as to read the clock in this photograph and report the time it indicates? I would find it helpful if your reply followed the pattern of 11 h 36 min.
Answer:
9 h 09 min
